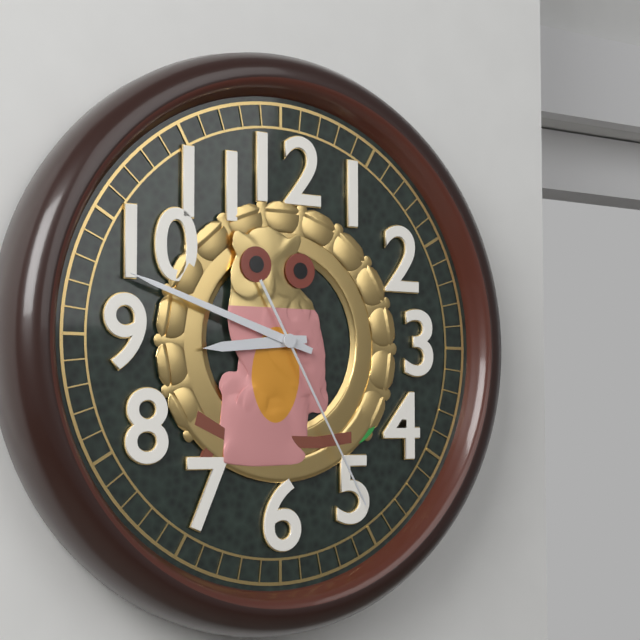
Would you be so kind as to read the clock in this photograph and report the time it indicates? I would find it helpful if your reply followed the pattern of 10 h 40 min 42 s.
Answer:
8 h 48 min 25 s
